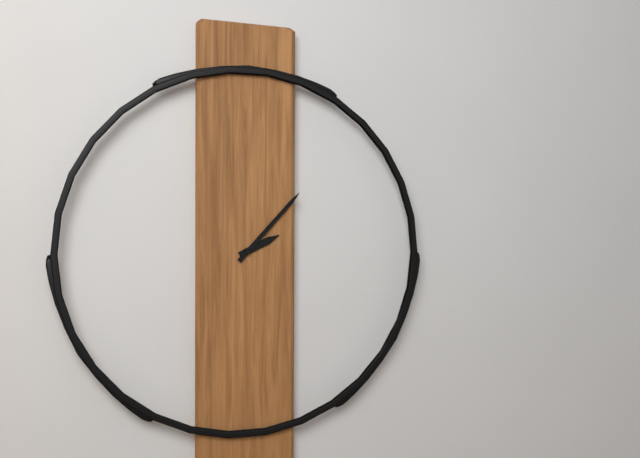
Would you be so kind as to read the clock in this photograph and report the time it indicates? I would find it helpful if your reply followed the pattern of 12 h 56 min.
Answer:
2 h 07 min
